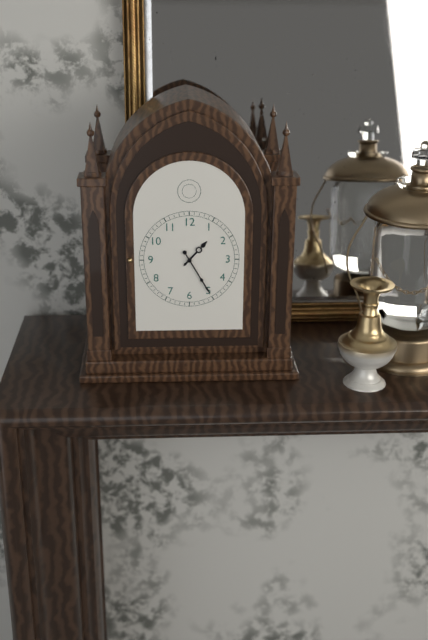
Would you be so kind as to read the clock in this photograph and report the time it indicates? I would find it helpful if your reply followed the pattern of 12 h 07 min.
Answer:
1 h 25 min
